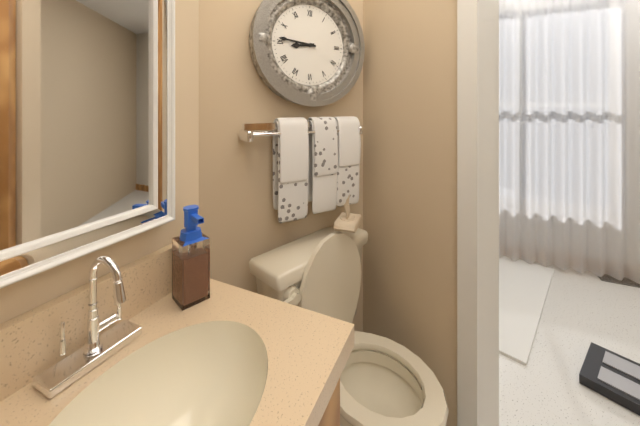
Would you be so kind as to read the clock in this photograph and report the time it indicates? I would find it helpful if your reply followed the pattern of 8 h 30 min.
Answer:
8 h 46 min
